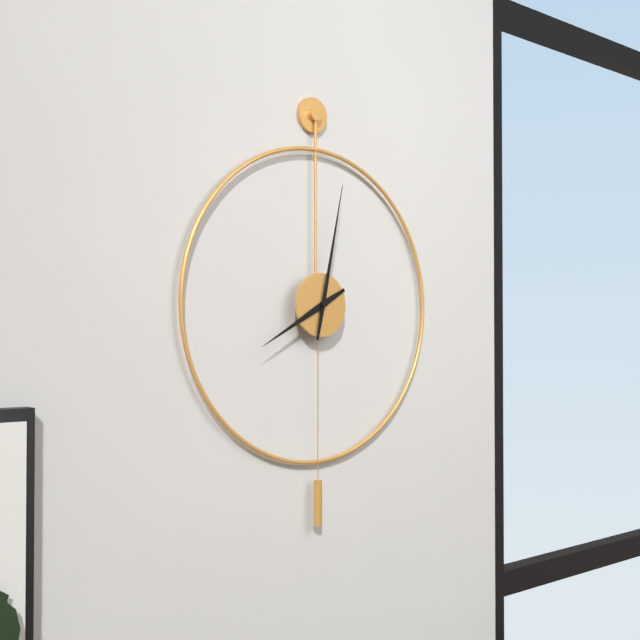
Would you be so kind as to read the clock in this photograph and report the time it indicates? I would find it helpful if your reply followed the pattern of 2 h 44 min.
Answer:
8 h 02 min
